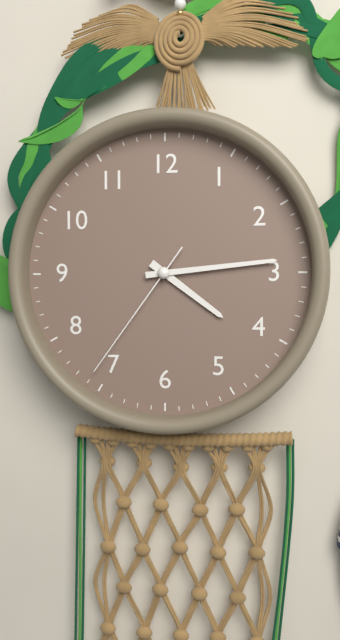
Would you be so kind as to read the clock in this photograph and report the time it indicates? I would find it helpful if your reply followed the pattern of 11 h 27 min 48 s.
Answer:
4 h 14 min 36 s
